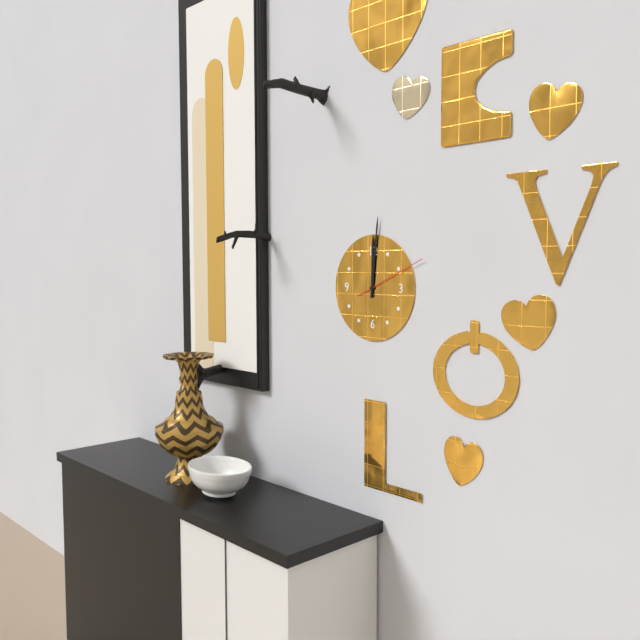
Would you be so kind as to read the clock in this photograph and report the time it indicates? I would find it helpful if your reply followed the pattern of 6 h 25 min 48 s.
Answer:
12 h 01 min 11 s
